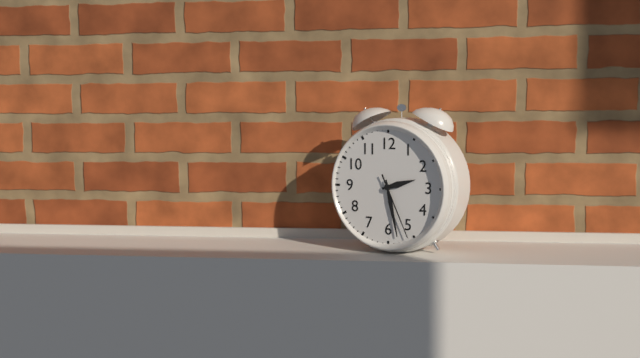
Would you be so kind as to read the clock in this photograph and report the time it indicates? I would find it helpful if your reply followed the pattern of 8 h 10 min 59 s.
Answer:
2 h 28 min 26 s
